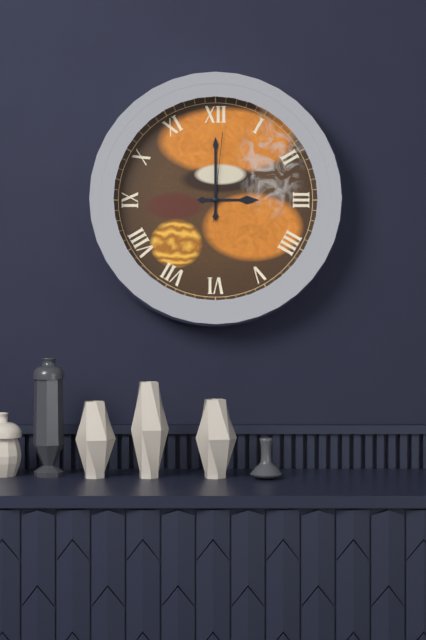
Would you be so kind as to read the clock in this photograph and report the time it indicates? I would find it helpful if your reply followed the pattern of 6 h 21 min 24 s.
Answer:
3 h 00 min 01 s
